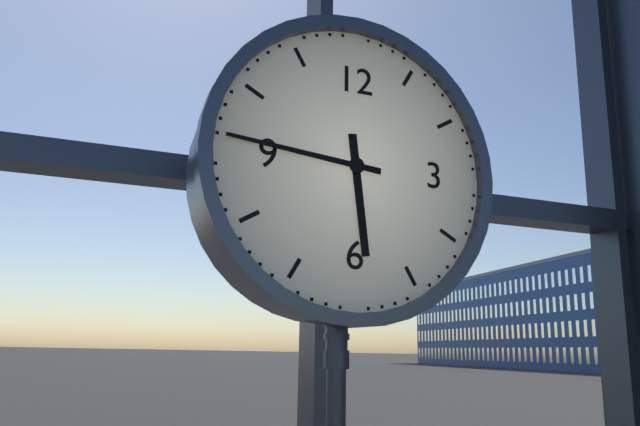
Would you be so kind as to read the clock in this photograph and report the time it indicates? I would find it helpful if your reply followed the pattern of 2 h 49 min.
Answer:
5 h 46 min
